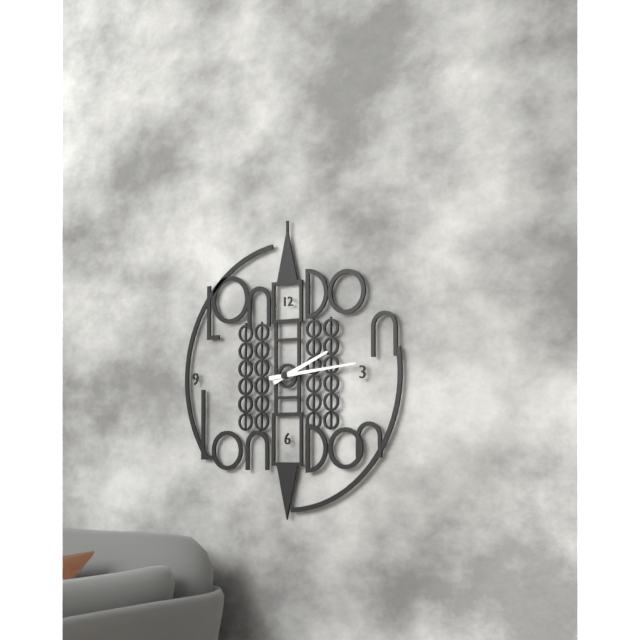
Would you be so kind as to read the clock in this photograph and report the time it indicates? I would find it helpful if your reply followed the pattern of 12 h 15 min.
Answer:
2 h 14 min
